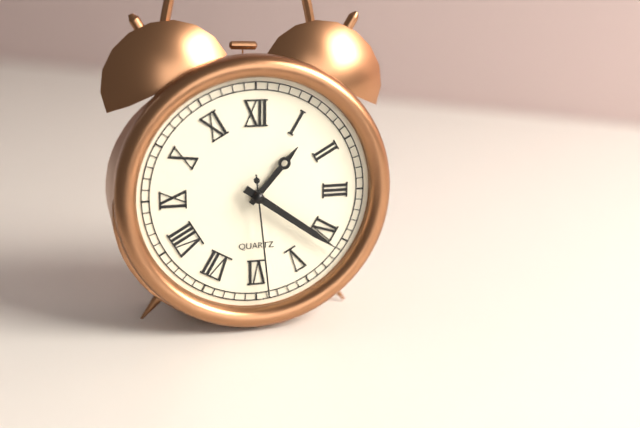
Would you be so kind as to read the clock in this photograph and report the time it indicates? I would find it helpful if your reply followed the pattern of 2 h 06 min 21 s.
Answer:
1 h 21 min 29 s
